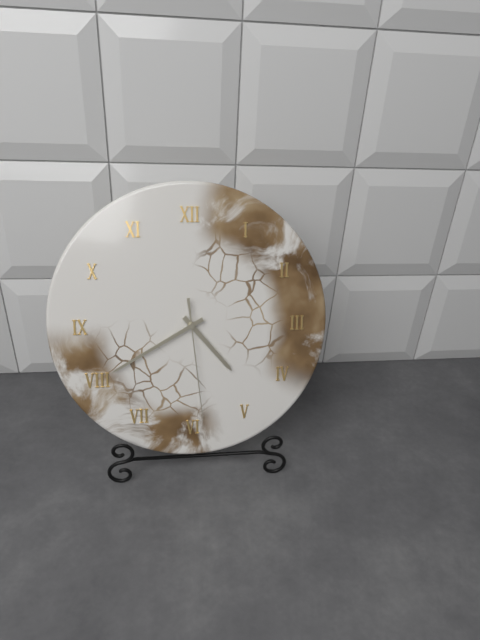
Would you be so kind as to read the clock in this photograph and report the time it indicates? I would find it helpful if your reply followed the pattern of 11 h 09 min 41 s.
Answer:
4 h 40 min 29 s
